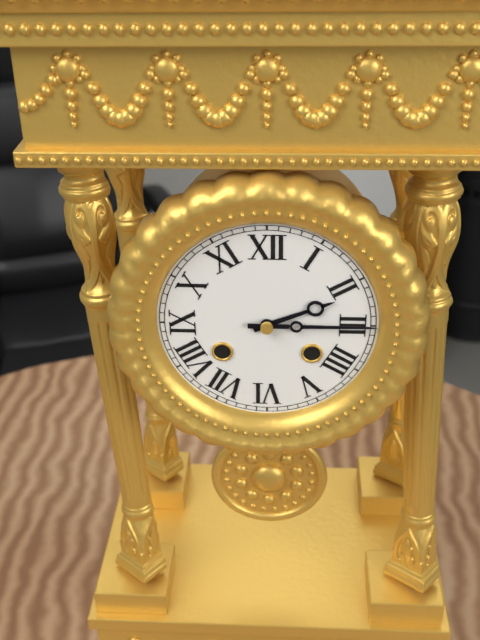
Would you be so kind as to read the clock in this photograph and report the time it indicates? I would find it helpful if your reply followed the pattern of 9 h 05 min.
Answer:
2 h 15 min
